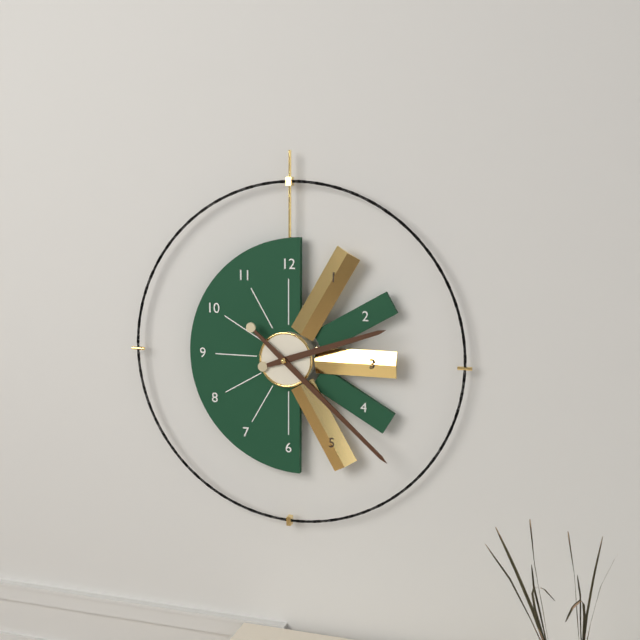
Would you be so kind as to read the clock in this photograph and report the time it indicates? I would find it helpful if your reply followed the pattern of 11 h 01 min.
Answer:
2 h 22 min
